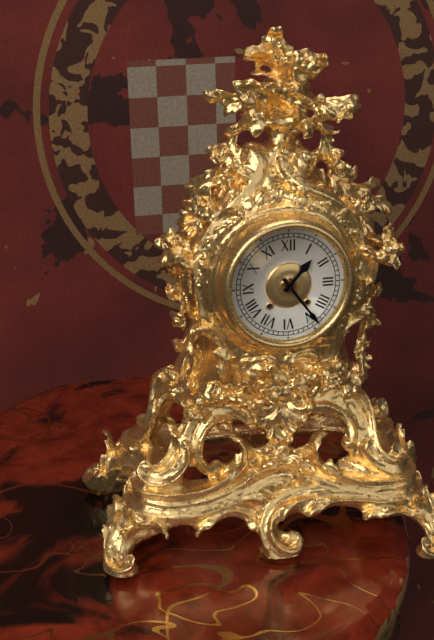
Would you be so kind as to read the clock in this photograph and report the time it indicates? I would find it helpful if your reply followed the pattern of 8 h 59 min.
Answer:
1 h 24 min
